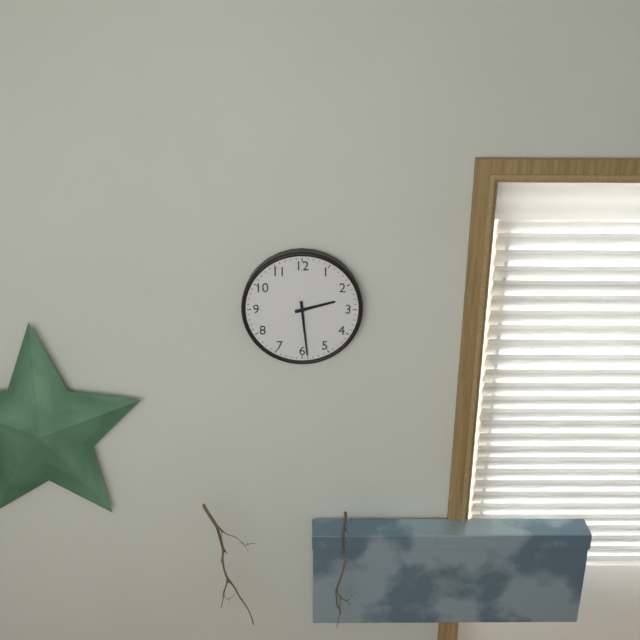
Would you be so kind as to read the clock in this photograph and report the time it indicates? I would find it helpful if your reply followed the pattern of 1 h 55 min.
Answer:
2 h 29 min
